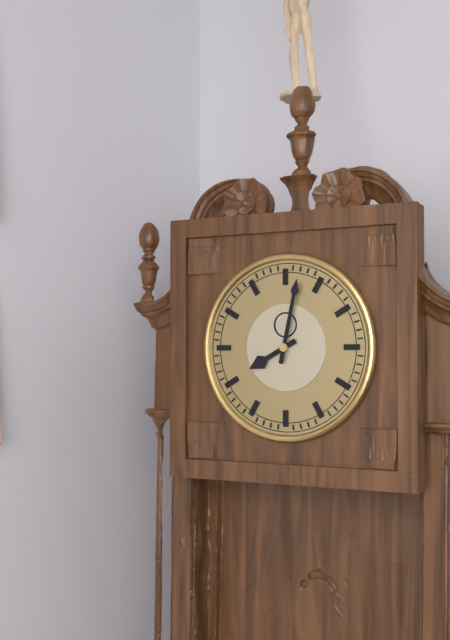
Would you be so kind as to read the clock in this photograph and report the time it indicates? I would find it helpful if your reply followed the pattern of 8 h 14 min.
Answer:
8 h 02 min
